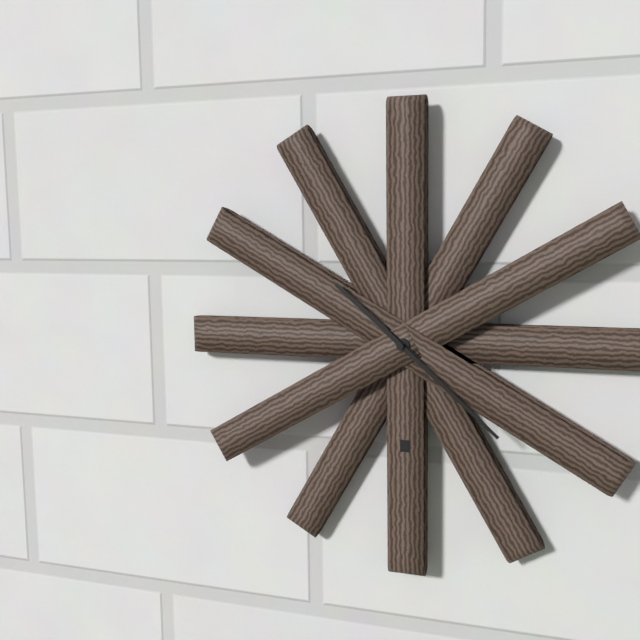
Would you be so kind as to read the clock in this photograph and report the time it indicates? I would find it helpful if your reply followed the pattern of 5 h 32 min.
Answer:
10 h 22 min
